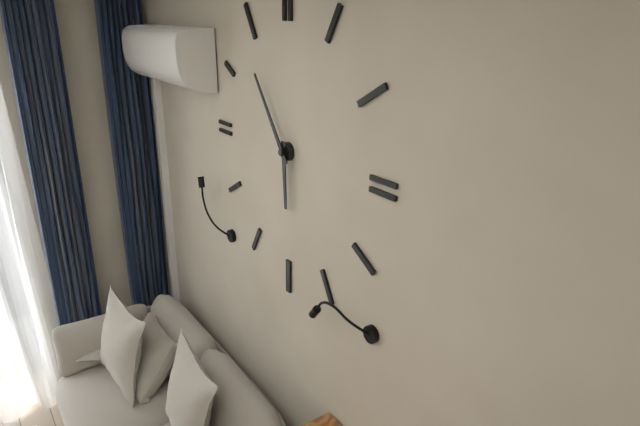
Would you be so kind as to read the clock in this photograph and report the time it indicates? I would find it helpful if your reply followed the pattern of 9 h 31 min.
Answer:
5 h 54 min
